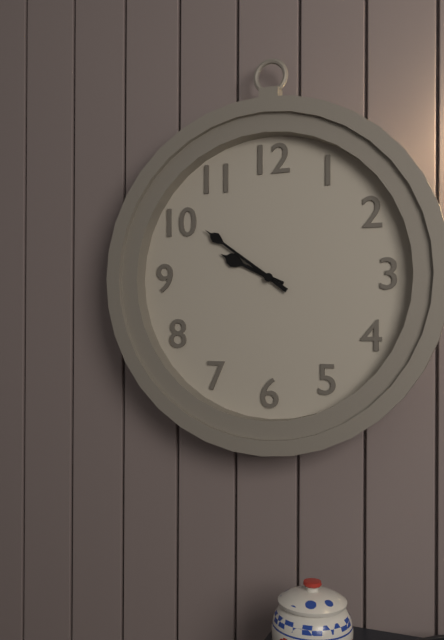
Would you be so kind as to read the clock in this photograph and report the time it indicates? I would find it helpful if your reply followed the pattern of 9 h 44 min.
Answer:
9 h 51 min
